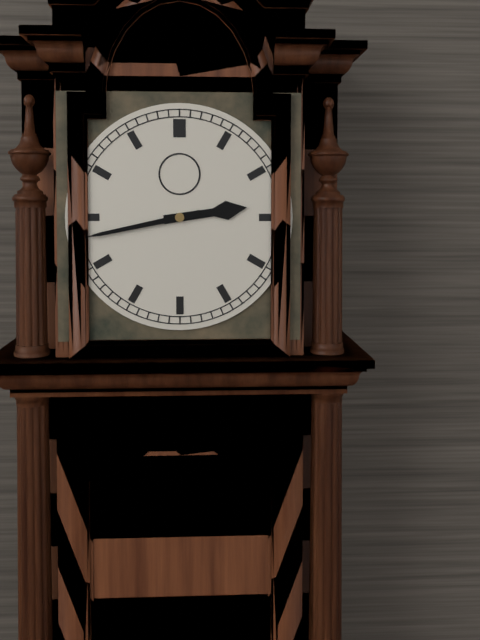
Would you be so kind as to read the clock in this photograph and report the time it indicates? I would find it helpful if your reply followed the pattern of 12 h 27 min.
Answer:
2 h 43 min
